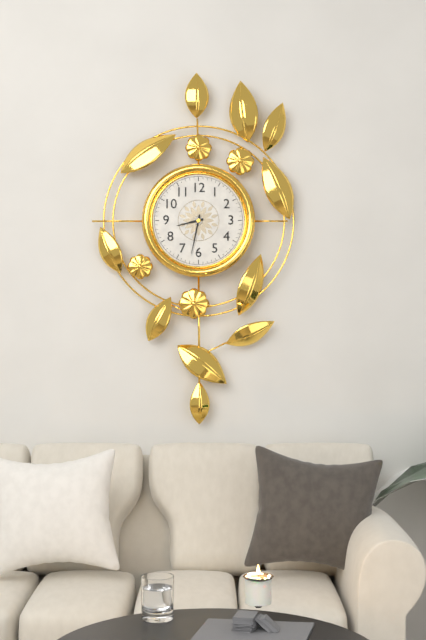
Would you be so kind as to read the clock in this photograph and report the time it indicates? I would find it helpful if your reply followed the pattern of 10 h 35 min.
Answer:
8 h 32 min
